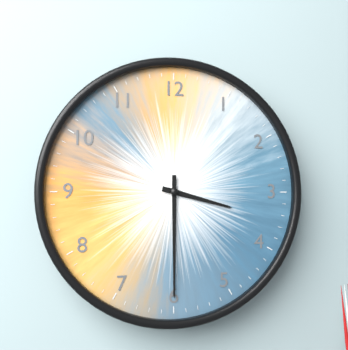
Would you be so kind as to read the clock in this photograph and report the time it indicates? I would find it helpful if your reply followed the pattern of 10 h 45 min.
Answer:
3 h 30 min
